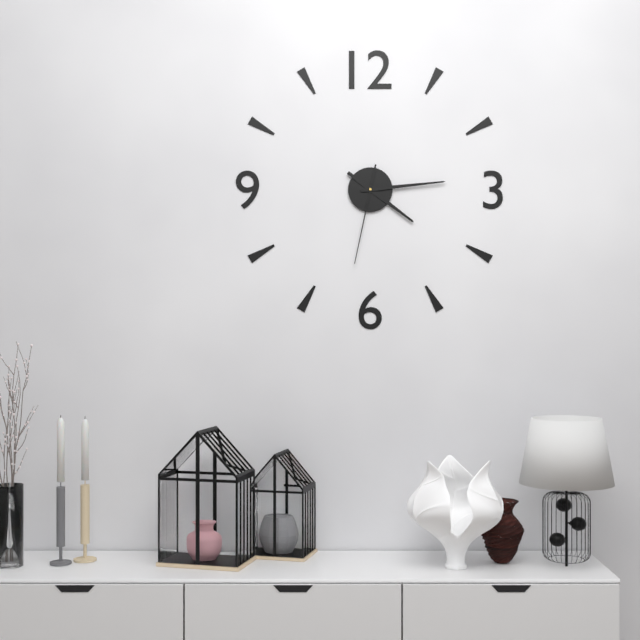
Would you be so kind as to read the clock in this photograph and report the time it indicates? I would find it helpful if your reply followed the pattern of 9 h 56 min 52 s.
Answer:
4 h 14 min 32 s
